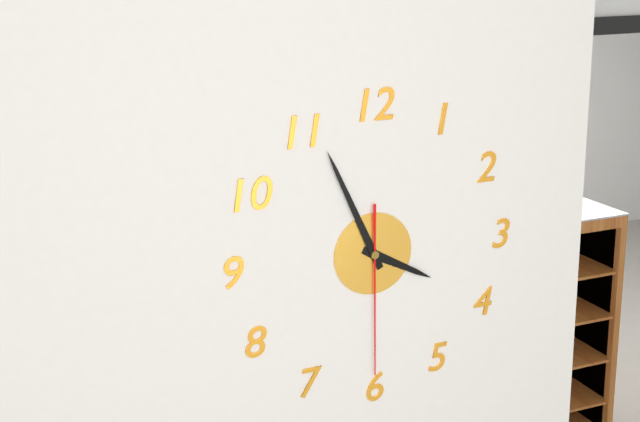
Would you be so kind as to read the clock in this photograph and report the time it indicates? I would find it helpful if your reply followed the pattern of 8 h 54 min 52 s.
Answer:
3 h 56 min 30 s
